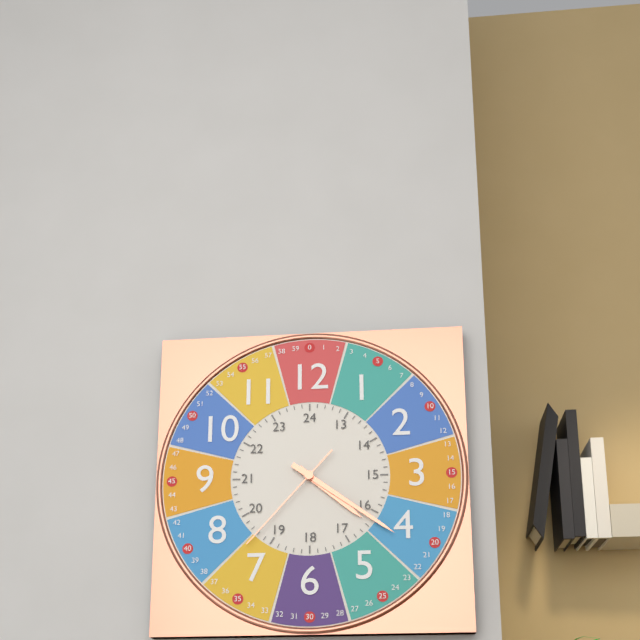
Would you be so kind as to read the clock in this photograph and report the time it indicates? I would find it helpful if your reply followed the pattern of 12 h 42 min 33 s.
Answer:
4 h 21 min 37 s
